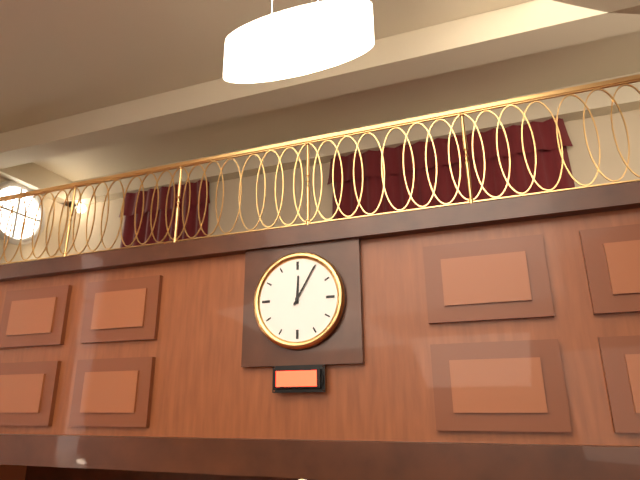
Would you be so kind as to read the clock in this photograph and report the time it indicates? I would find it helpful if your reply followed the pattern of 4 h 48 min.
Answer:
12 h 05 min
